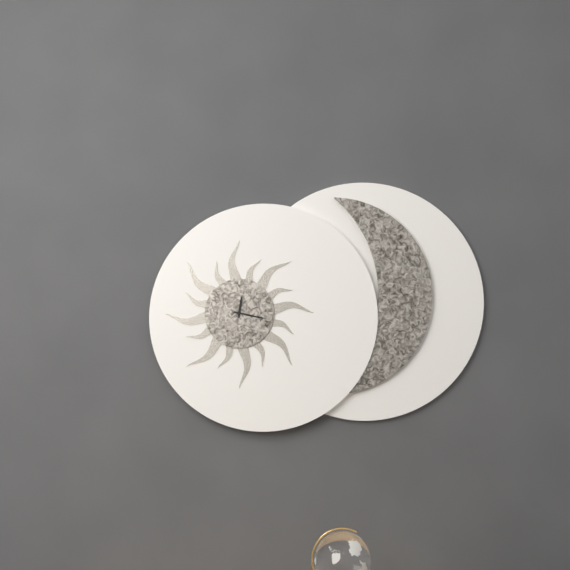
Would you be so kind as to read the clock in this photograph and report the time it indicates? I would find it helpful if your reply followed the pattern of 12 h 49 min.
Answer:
12 h 17 min
